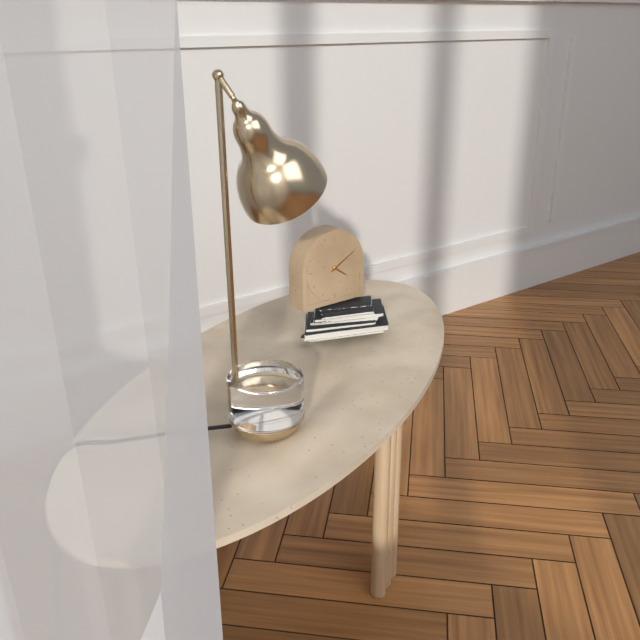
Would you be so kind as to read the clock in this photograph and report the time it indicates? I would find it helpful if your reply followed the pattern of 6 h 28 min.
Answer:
4 h 10 min
